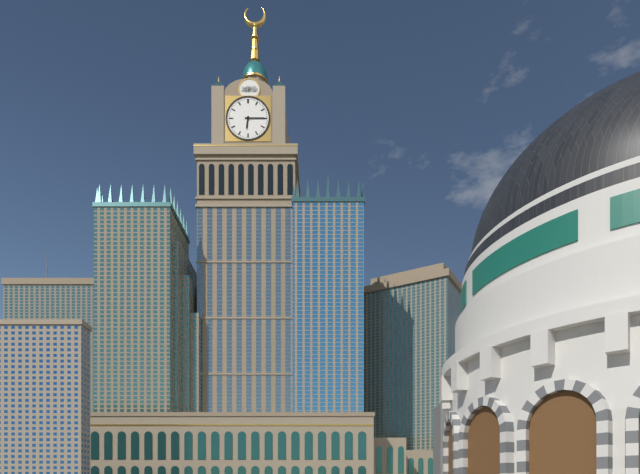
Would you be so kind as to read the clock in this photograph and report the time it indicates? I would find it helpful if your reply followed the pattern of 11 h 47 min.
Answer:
6 h 15 min
